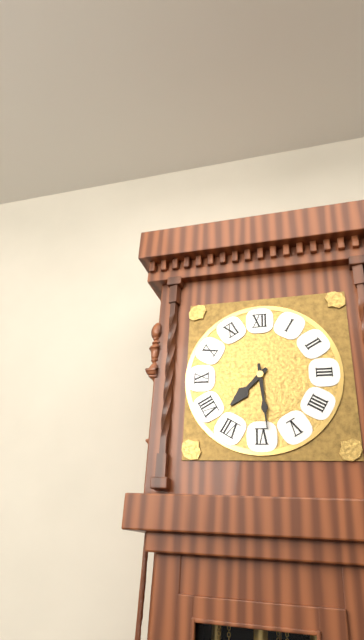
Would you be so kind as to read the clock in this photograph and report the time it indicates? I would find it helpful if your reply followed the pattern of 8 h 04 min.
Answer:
7 h 29 min
